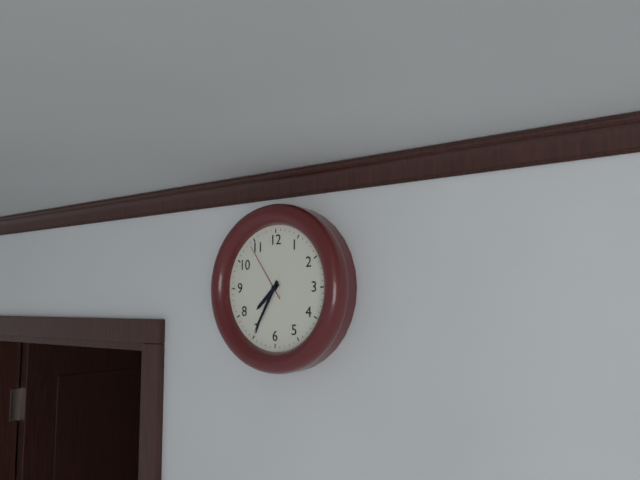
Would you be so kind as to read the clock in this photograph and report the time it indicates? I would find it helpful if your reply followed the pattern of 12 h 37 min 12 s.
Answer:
7 h 35 min 54 s
